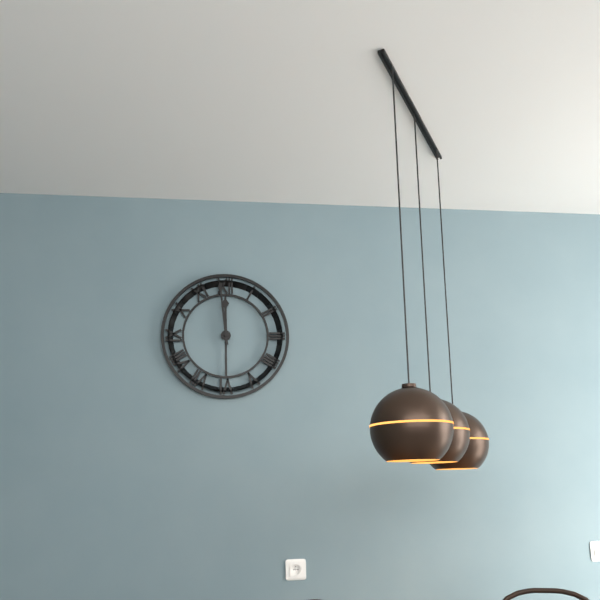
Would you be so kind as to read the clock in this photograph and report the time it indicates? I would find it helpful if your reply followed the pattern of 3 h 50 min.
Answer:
11 h 59 min
